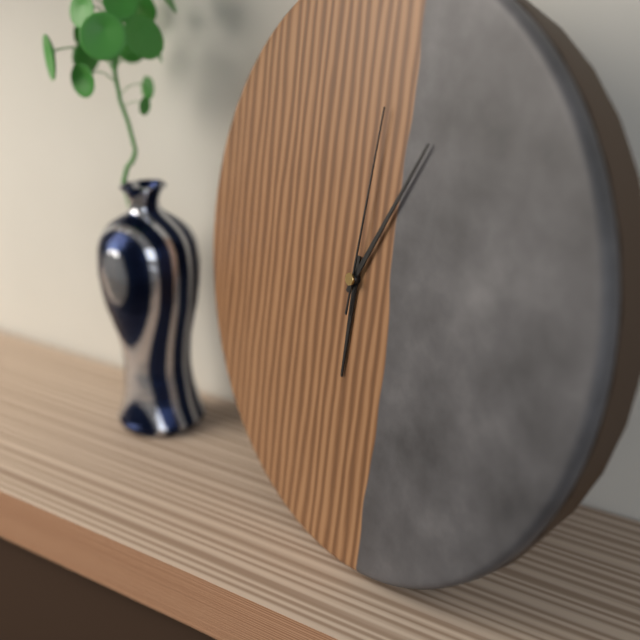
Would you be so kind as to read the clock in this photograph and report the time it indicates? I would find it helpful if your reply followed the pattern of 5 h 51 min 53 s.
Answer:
6 h 05 min 01 s
